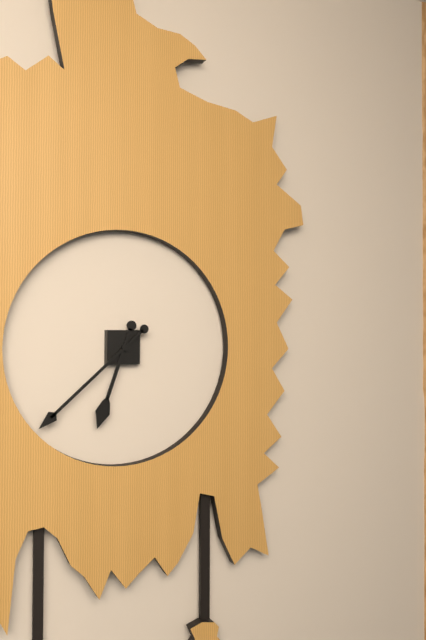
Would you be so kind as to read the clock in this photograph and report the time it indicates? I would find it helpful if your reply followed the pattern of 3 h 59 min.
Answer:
6 h 38 min
